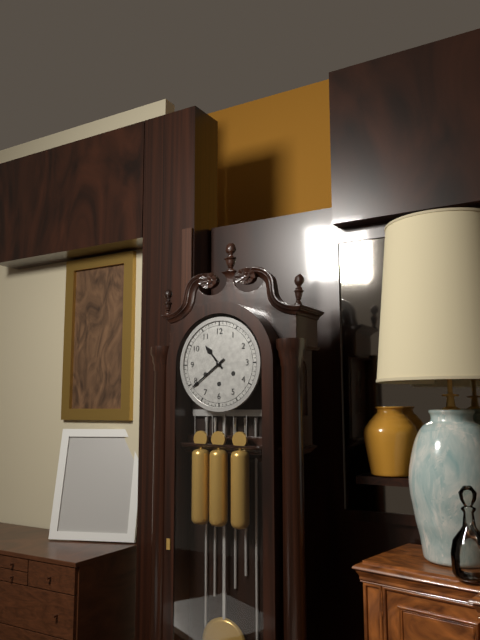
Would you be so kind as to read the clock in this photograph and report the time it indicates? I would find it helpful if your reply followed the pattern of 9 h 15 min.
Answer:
10 h 39 min
